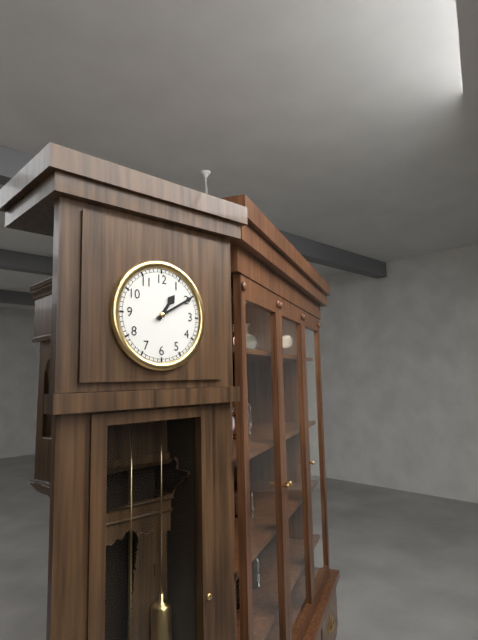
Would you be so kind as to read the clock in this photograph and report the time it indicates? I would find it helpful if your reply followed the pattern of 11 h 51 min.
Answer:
1 h 10 min
